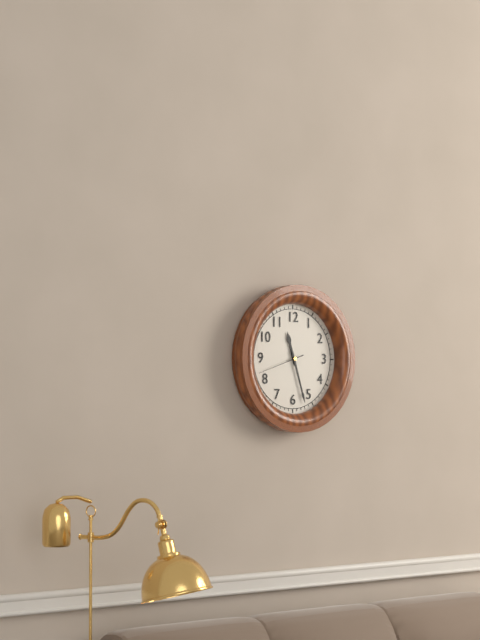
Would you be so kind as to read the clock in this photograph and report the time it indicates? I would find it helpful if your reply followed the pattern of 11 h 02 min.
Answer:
11 h 27 min
